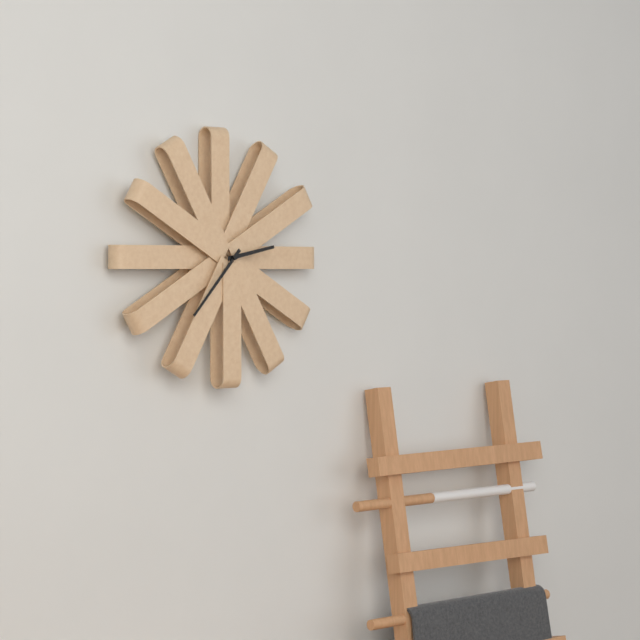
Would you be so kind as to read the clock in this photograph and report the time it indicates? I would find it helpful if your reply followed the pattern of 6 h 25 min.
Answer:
2 h 37 min
